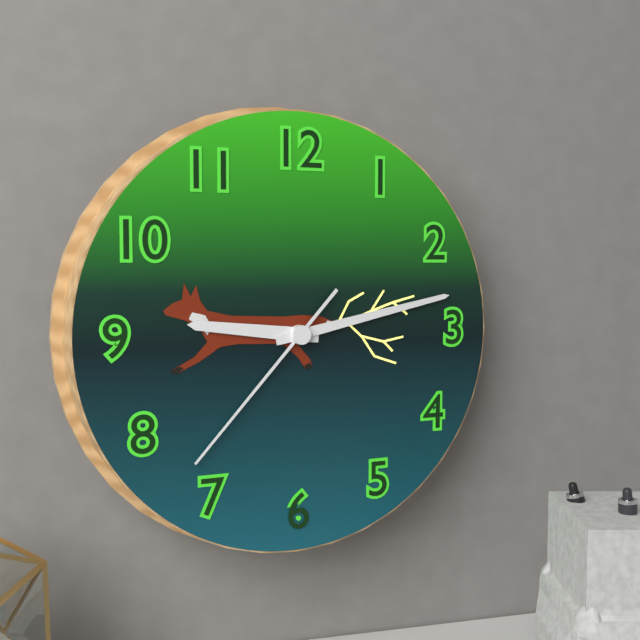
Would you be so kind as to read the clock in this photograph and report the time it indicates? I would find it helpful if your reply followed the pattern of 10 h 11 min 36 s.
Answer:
9 h 13 min 37 s
